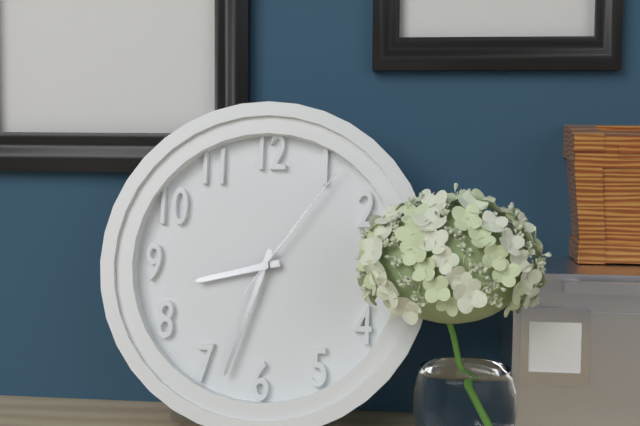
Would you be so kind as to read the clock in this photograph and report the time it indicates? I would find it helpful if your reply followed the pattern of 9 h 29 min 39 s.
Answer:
8 h 33 min 06 s
